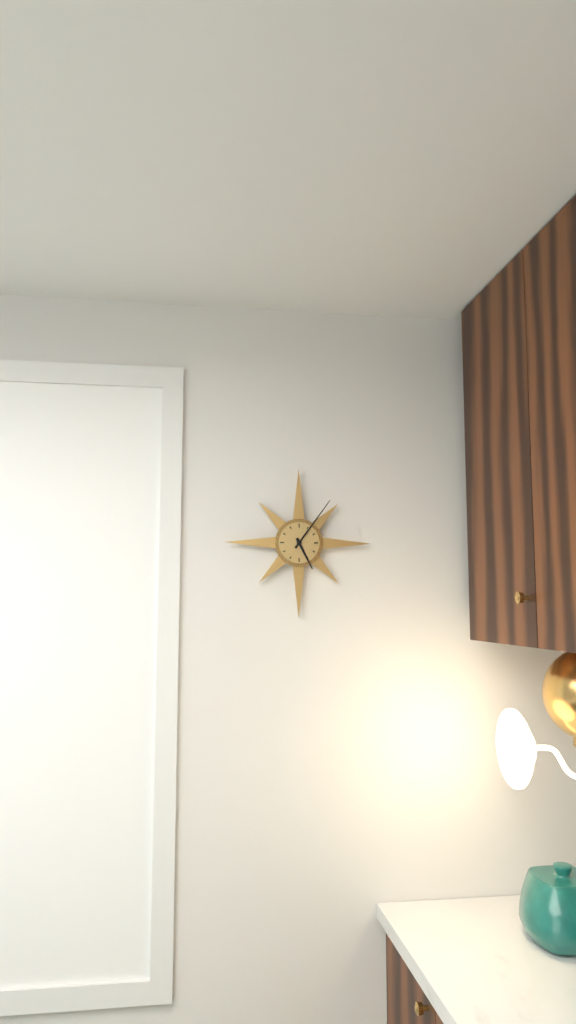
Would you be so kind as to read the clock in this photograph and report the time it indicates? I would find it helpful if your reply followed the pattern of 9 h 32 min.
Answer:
5 h 06 min
